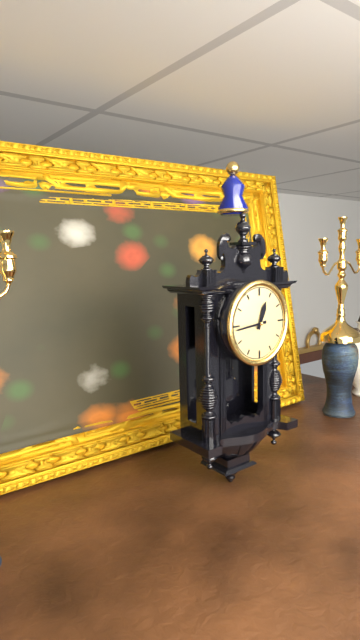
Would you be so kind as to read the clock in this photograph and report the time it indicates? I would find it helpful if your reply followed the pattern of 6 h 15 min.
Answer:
12 h 44 min
